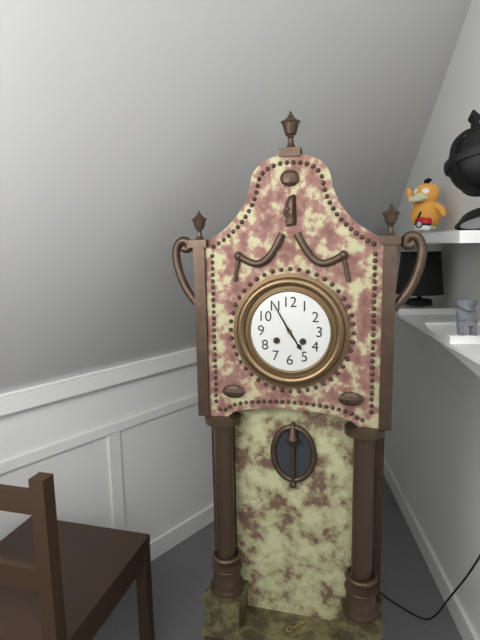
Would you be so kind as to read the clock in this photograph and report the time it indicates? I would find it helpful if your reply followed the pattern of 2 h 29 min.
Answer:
4 h 55 min
